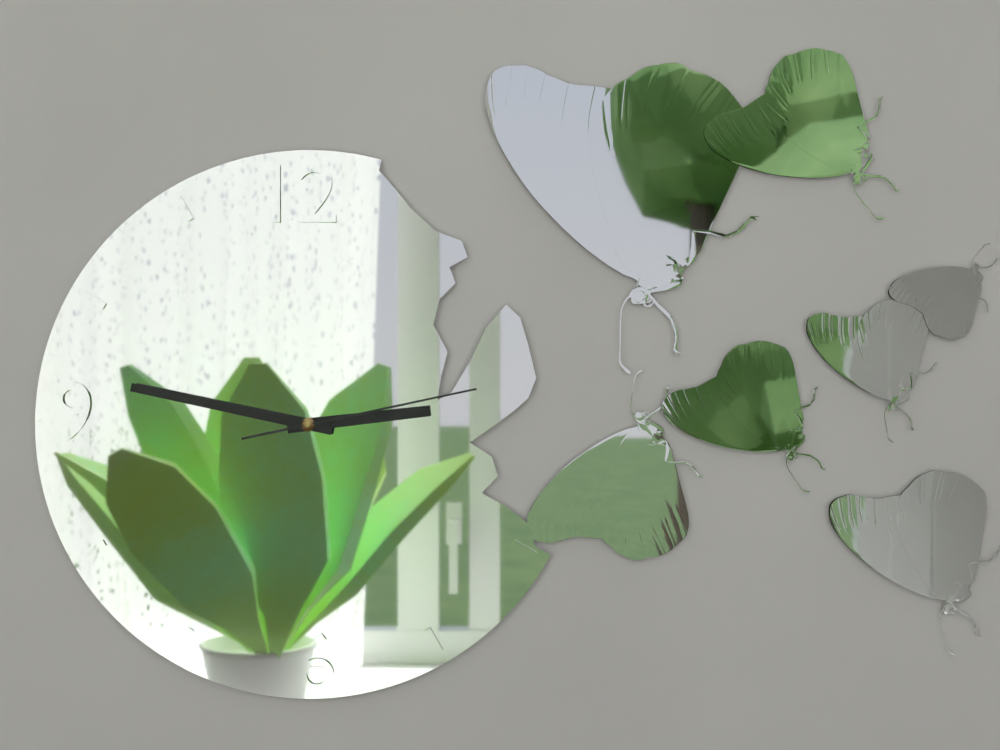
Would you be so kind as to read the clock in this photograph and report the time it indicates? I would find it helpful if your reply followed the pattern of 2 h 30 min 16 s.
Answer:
2 h 47 min 13 s
